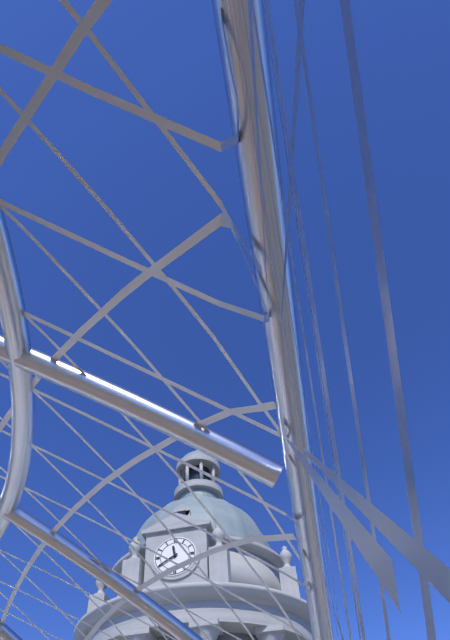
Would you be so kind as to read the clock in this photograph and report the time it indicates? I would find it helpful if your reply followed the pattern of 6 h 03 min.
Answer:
11 h 40 min
